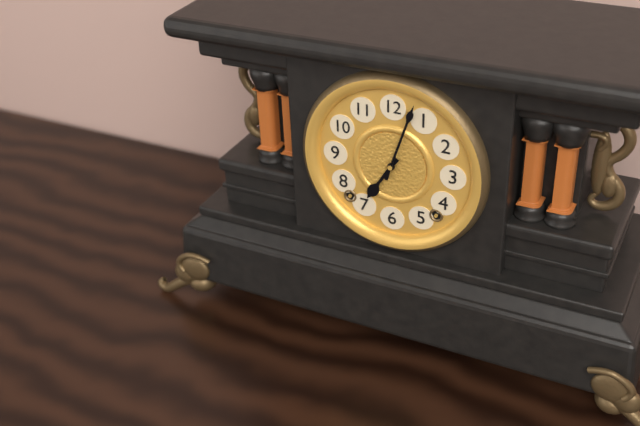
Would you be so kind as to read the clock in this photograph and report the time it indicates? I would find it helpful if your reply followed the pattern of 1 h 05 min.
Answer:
7 h 03 min
